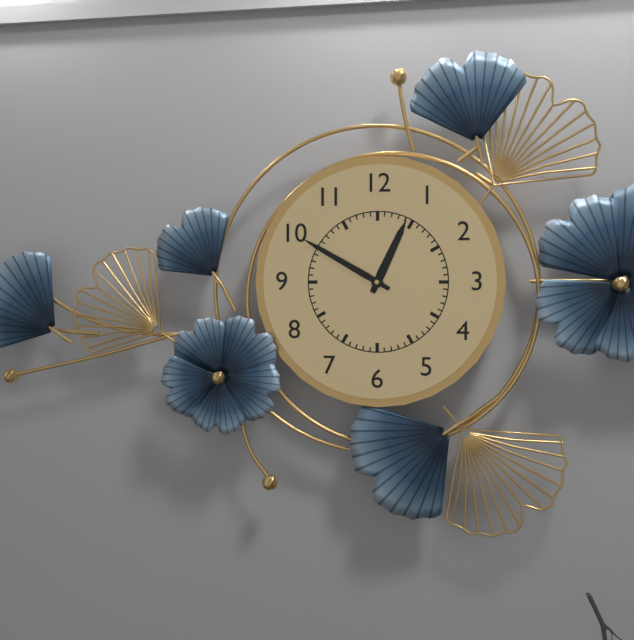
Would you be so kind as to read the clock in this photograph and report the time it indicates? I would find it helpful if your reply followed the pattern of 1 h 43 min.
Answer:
12 h 50 min
